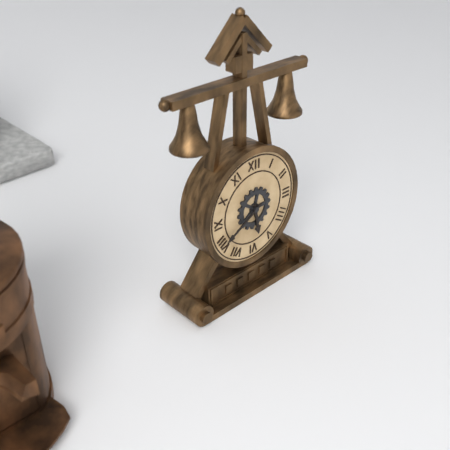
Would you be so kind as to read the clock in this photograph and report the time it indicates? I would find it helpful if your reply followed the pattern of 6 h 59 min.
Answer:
5 h 40 min
